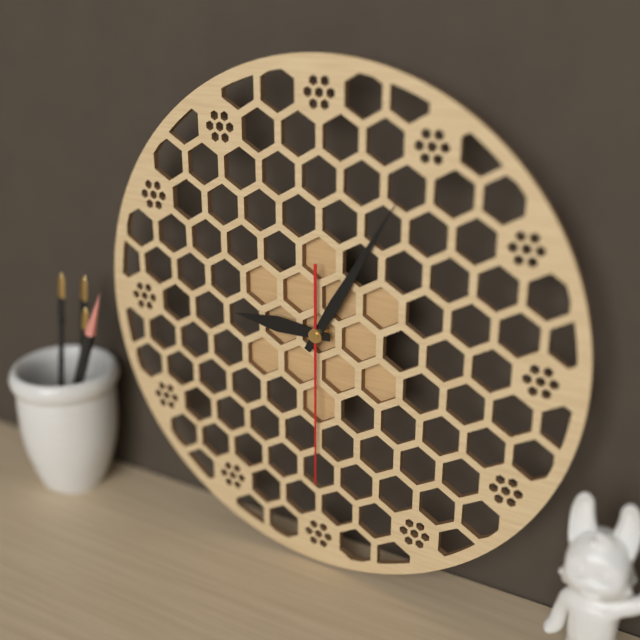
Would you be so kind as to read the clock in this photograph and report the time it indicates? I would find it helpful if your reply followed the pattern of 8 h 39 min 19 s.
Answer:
9 h 05 min 30 s
